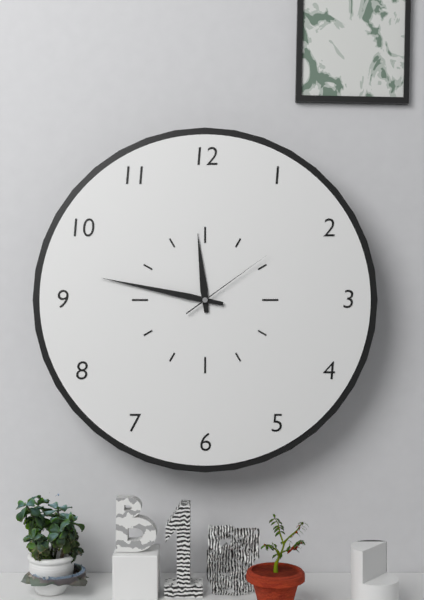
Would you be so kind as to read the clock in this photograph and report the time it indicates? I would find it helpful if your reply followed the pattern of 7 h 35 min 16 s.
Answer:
11 h 47 min 09 s
